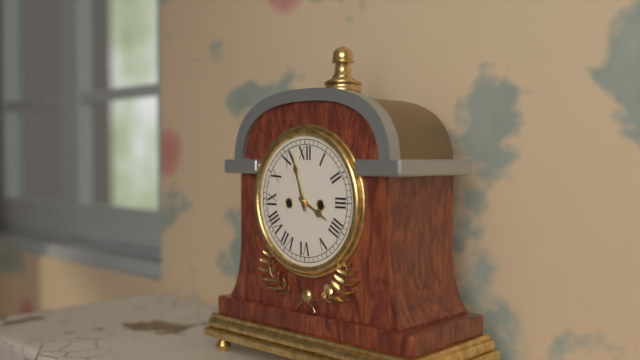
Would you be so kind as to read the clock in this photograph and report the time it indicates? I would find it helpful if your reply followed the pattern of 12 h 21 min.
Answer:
3 h 57 min
